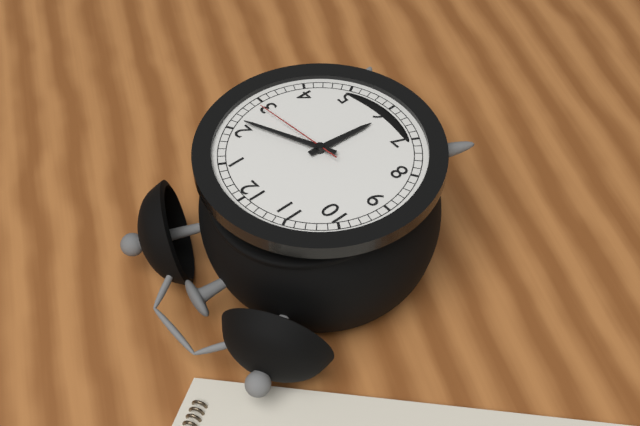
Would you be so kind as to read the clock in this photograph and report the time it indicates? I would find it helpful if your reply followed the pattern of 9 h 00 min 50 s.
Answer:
6 h 11 min 14 s
